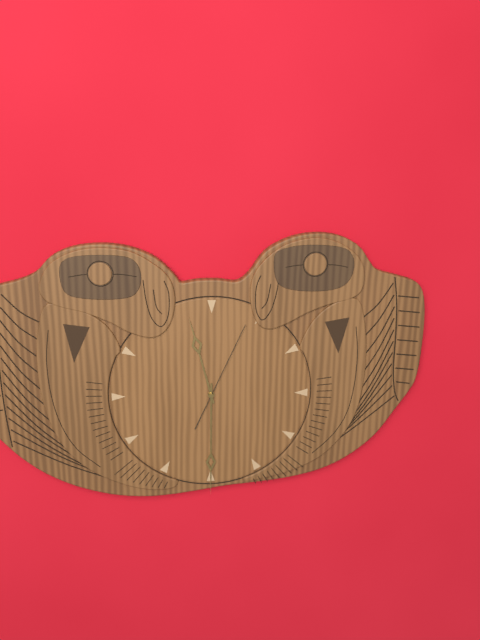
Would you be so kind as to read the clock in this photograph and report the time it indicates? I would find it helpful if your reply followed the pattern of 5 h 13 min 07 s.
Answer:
11 h 30 min 04 s
